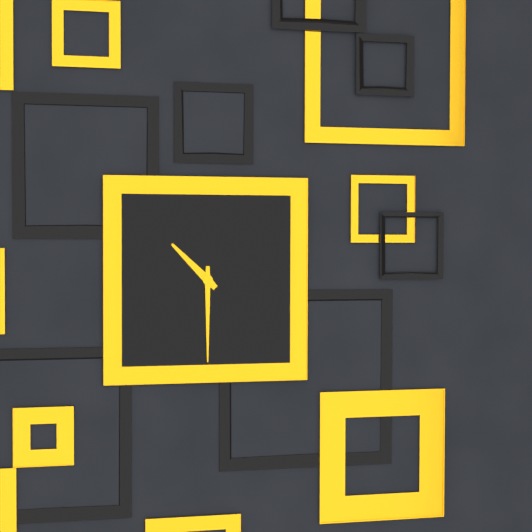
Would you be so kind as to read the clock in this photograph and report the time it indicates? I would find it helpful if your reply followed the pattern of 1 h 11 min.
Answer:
10 h 30 min
